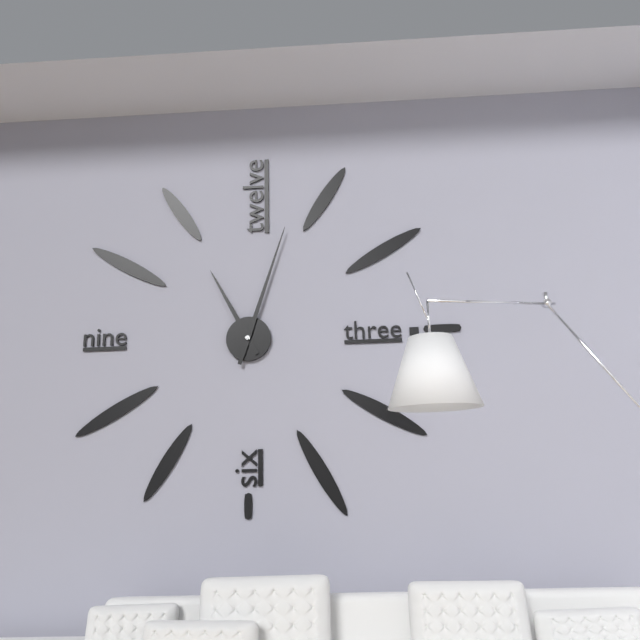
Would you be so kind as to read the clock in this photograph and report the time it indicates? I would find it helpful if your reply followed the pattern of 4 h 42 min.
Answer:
11 h 03 min
